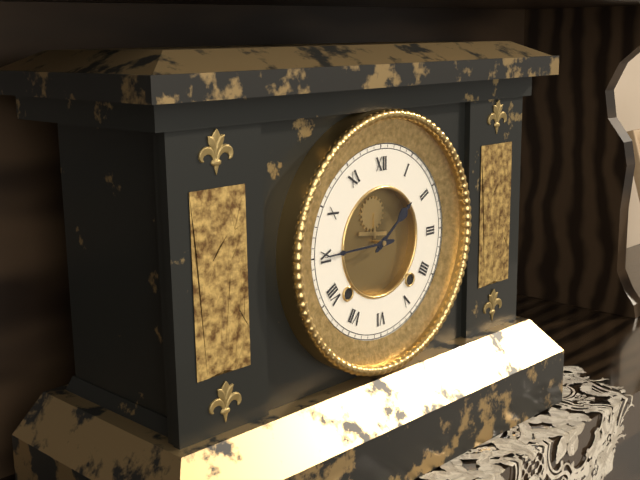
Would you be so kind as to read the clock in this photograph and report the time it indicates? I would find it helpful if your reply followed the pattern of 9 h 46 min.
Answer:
1 h 45 min
